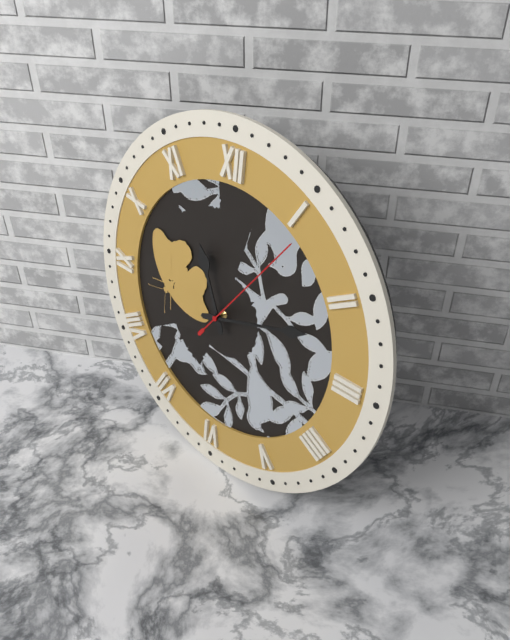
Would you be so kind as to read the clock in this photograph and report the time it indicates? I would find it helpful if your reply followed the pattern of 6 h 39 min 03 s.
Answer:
11 h 12 min 06 s
